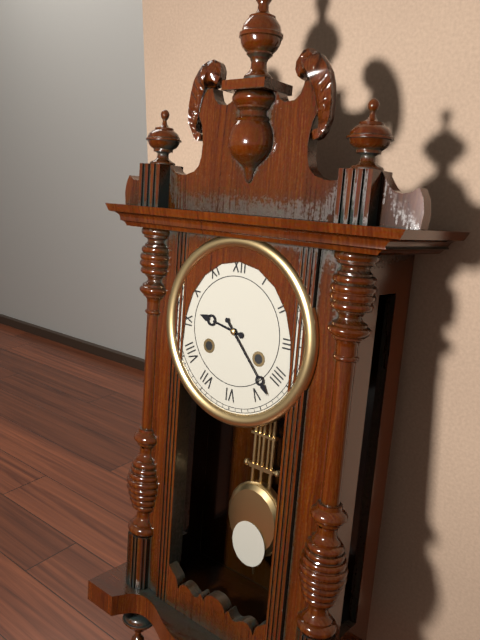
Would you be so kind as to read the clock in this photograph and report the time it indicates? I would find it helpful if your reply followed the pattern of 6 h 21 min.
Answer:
9 h 23 min
